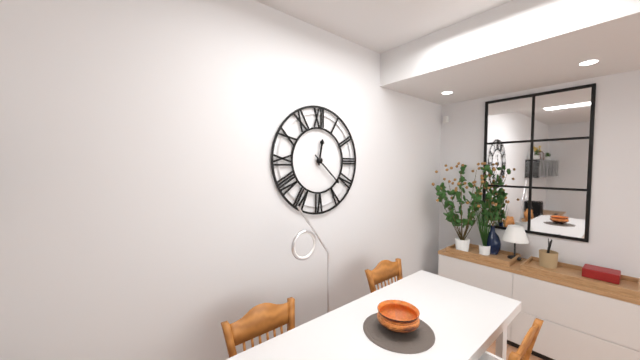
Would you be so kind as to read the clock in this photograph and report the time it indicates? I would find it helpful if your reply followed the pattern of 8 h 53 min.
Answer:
12 h 22 min
